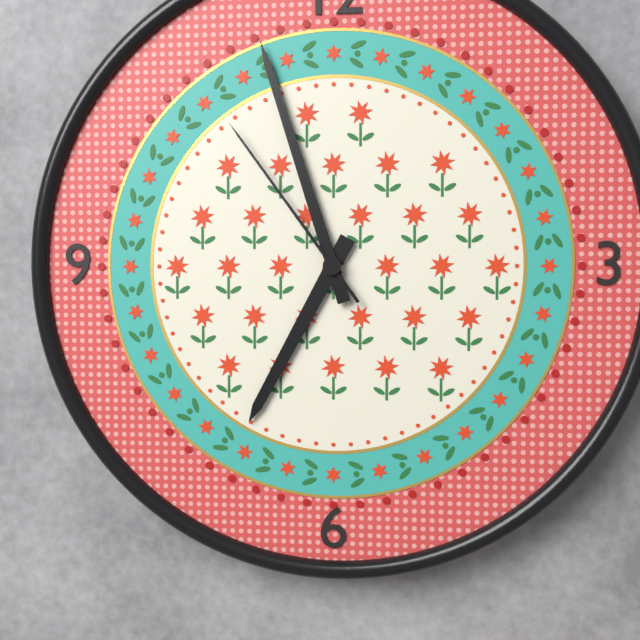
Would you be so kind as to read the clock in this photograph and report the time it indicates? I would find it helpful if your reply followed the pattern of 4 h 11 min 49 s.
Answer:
6 h 57 min 54 s
